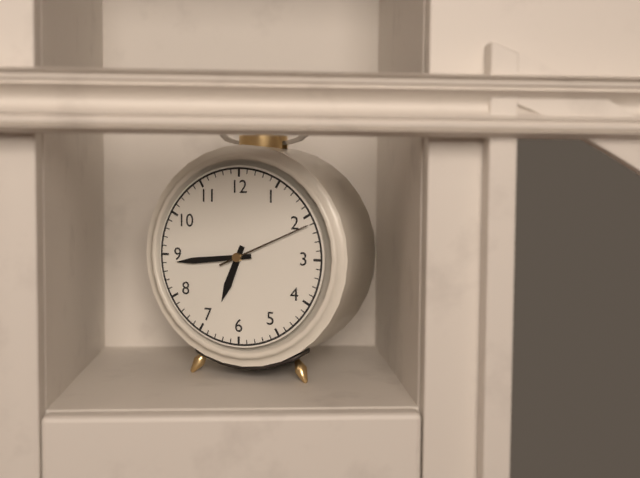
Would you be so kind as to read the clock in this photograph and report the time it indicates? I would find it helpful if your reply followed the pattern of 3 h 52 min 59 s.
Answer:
6 h 44 min 11 s
